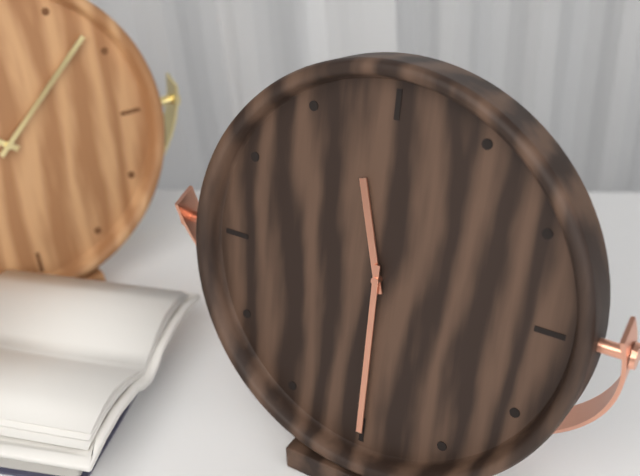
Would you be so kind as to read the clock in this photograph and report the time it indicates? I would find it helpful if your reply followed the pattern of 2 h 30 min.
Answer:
11 h 30 min
